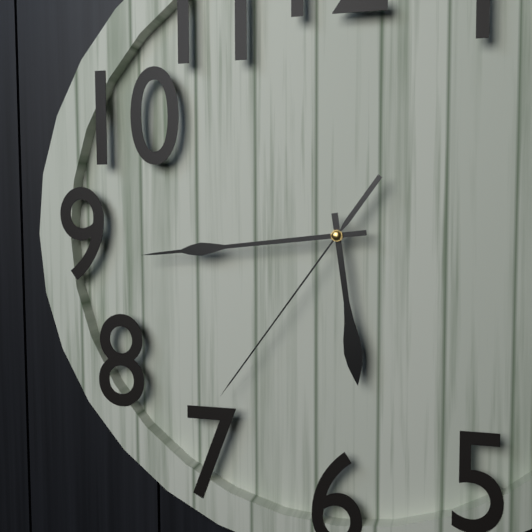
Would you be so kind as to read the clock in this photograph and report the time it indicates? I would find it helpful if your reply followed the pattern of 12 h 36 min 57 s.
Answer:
5 h 44 min 36 s
